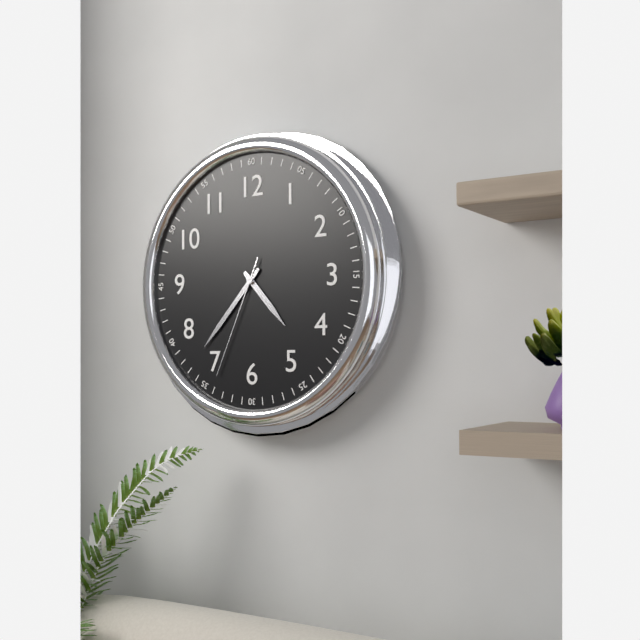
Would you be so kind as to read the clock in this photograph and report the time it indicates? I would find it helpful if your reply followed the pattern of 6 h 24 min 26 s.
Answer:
4 h 37 min 34 s
